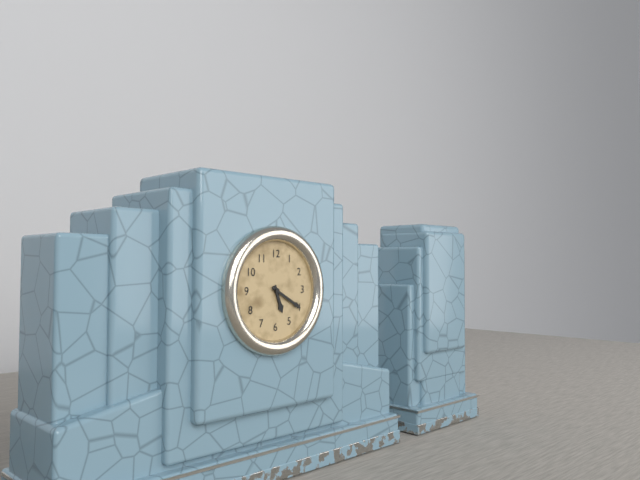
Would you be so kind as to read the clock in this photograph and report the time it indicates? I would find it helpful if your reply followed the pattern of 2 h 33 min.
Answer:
5 h 20 min
